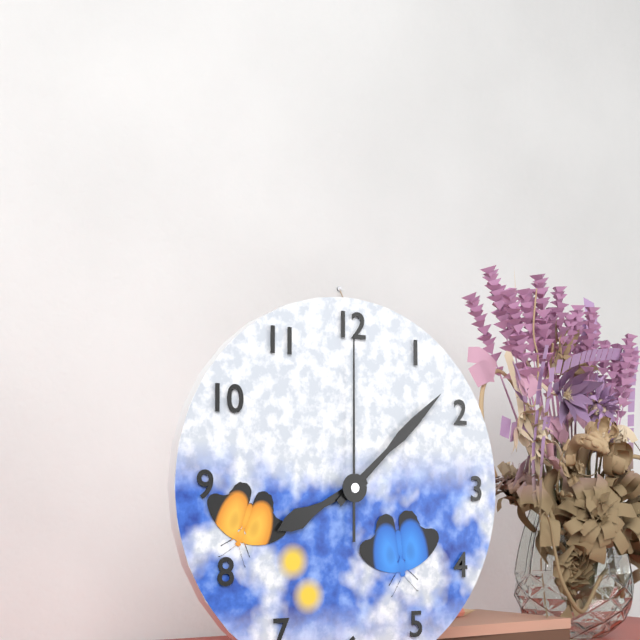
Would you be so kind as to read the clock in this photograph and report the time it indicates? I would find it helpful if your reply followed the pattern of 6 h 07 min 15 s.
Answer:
8 h 08 min 00 s
